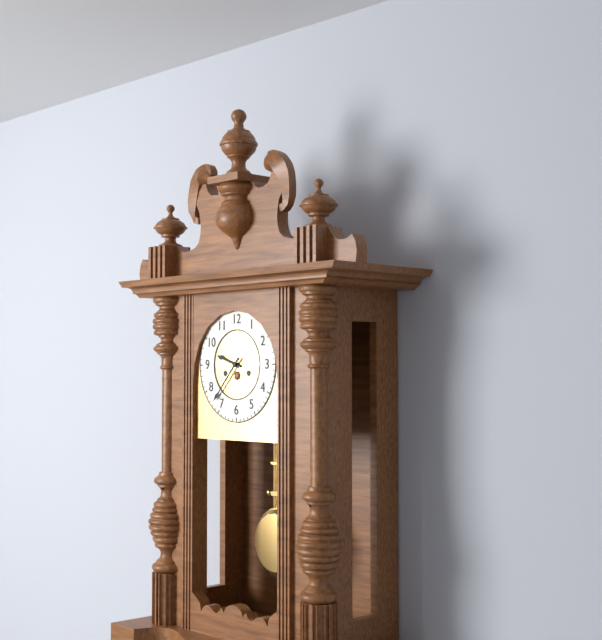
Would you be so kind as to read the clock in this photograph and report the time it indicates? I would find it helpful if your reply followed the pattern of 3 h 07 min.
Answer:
9 h 37 min
